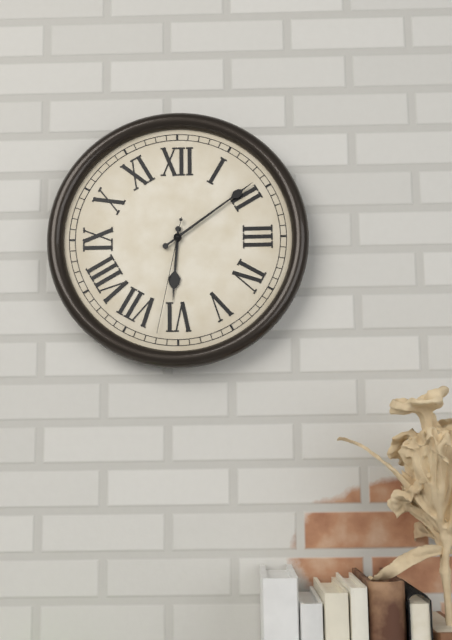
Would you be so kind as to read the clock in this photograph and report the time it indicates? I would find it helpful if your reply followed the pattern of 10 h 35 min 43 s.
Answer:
6 h 09 min 32 s
